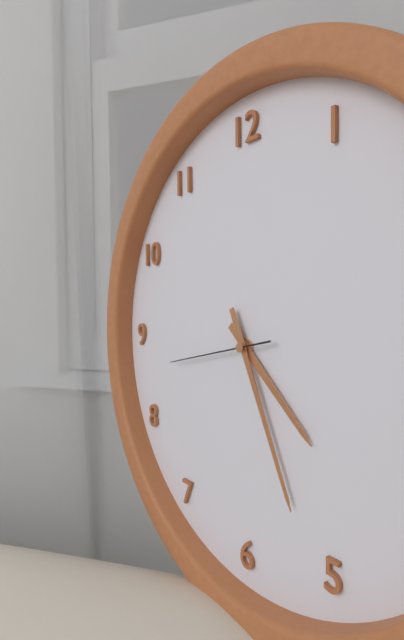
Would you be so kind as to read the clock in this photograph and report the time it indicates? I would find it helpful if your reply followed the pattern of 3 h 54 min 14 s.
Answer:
4 h 26 min 43 s
